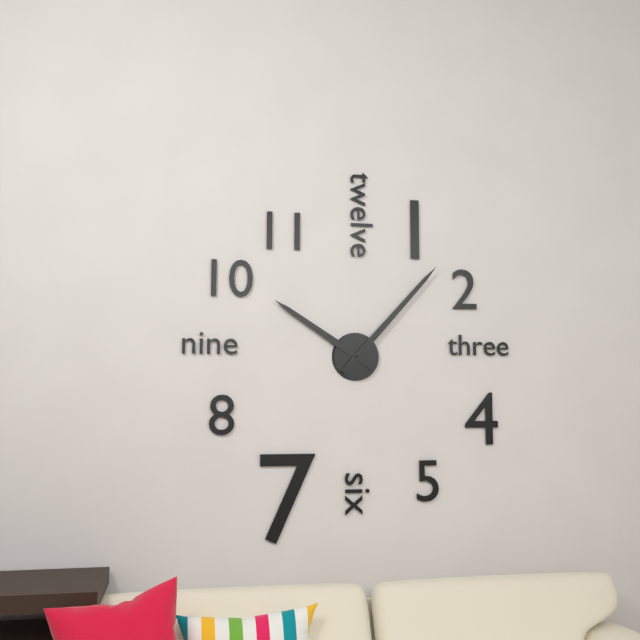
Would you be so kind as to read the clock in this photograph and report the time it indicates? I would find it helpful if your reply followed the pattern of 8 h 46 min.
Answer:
10 h 07 min
